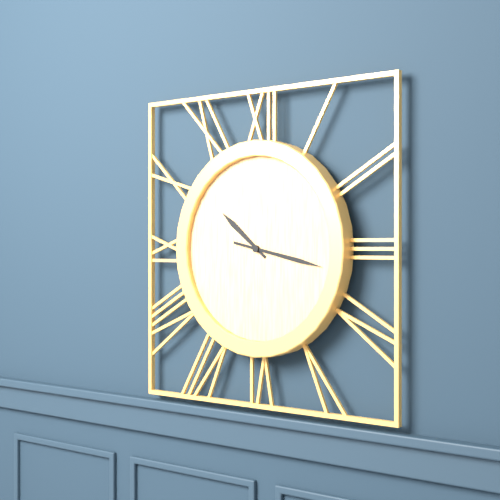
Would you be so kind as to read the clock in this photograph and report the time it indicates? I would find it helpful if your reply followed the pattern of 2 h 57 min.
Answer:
10 h 17 min
